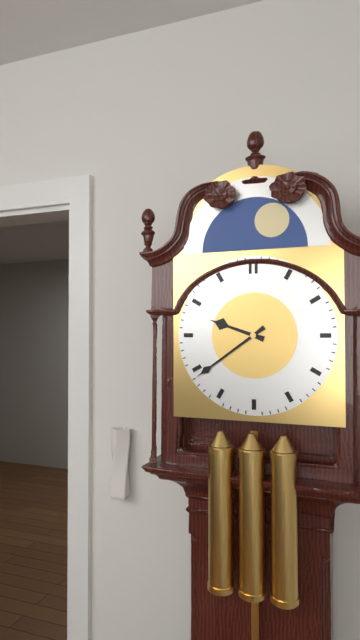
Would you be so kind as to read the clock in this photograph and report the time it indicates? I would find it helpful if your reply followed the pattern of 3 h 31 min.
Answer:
9 h 39 min
